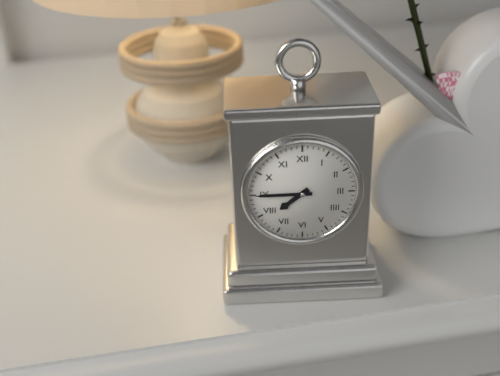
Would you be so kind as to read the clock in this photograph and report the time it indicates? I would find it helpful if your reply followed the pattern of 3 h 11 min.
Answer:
7 h 45 min
